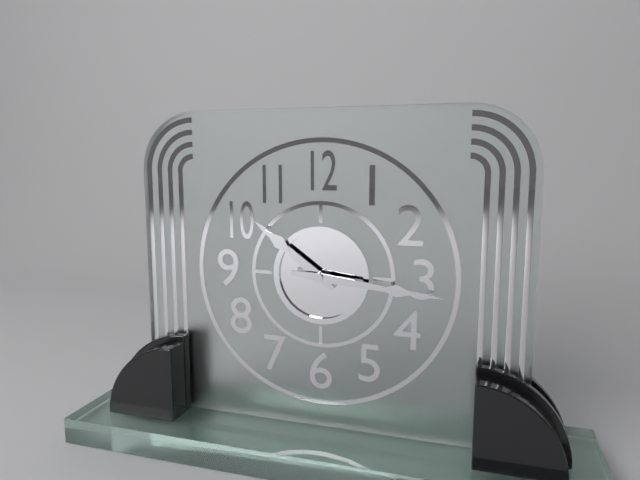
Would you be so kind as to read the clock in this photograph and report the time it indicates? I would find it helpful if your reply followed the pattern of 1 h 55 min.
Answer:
10 h 16 min
